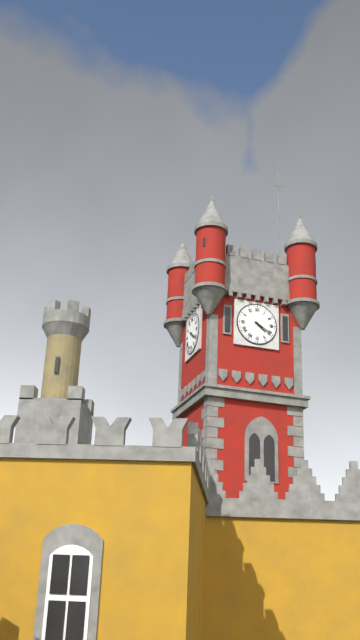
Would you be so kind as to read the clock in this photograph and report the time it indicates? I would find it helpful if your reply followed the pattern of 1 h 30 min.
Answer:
4 h 20 min
